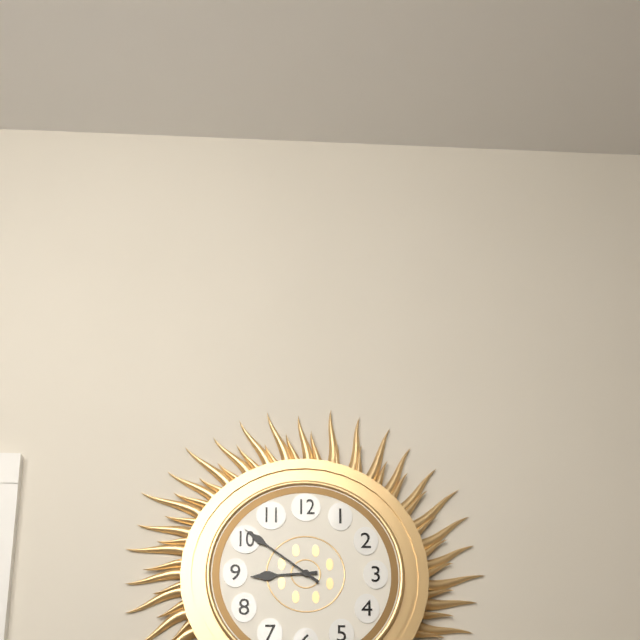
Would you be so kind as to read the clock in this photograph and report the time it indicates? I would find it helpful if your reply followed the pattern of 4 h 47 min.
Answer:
8 h 51 min
